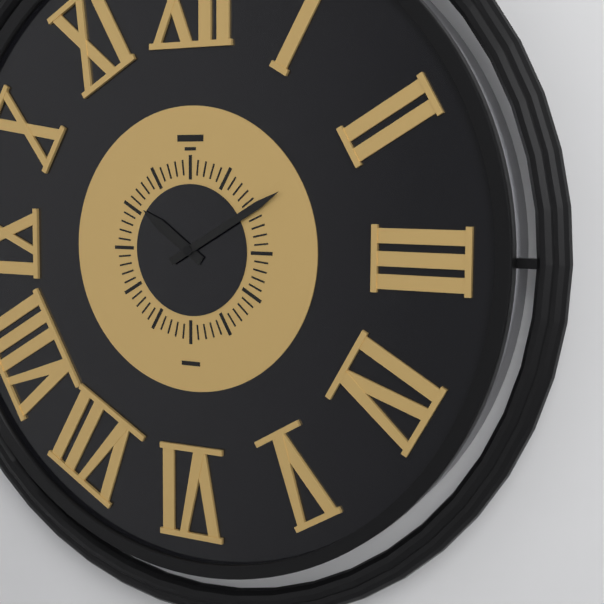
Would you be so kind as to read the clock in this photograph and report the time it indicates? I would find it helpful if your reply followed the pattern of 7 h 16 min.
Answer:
10 h 10 min
